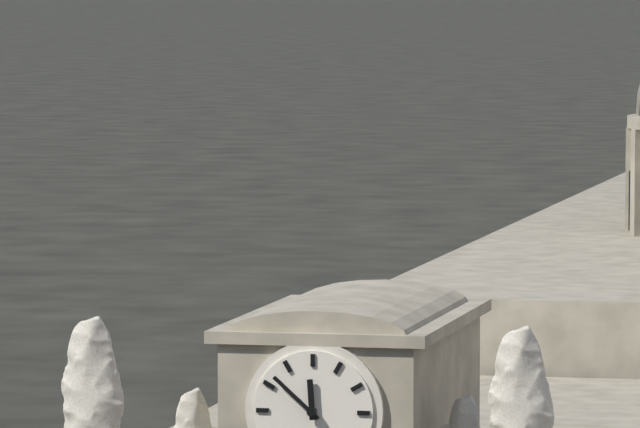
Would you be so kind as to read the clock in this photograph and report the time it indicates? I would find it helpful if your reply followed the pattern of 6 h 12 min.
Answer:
11 h 52 min
